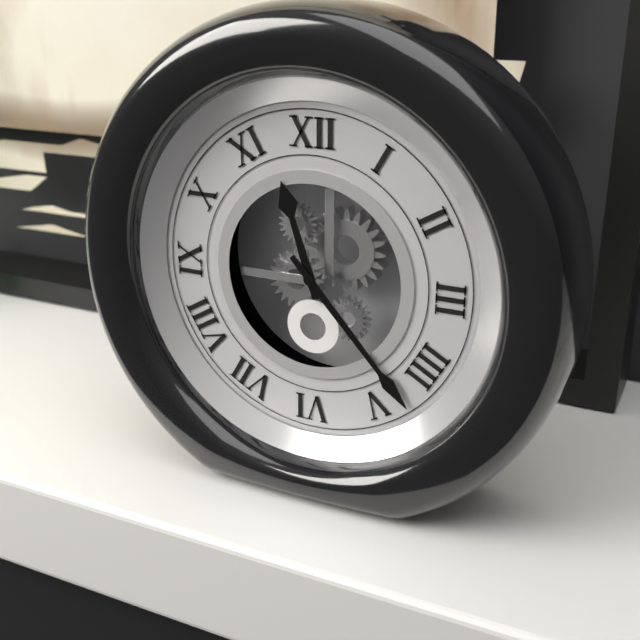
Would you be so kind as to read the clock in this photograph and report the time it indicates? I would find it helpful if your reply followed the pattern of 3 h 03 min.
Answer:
11 h 23 min
